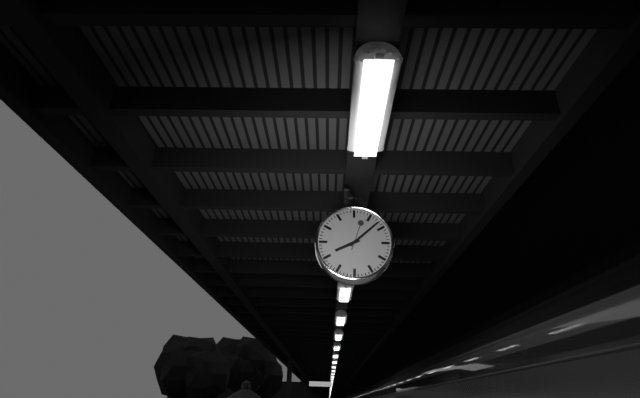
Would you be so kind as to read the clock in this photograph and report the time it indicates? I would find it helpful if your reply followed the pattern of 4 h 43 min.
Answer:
8 h 08 min
